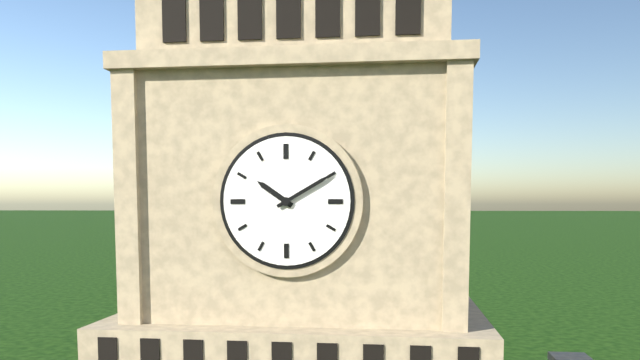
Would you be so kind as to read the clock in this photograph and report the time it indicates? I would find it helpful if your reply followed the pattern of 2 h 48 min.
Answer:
10 h 10 min
